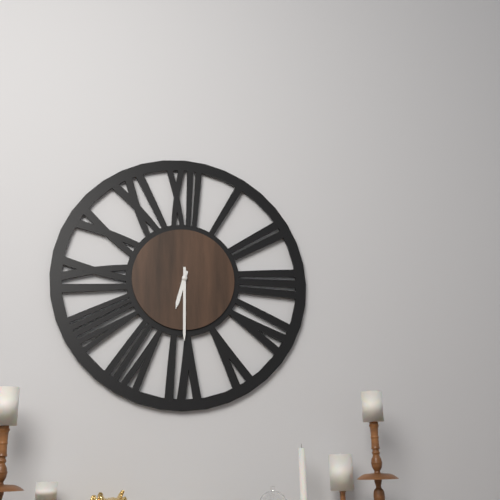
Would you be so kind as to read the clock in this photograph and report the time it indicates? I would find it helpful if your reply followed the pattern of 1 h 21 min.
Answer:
6 h 30 min
